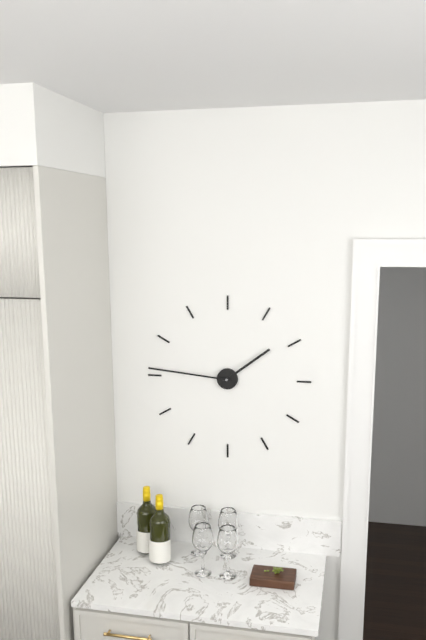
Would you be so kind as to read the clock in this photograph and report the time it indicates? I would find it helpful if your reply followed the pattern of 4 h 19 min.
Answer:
1 h 46 min
